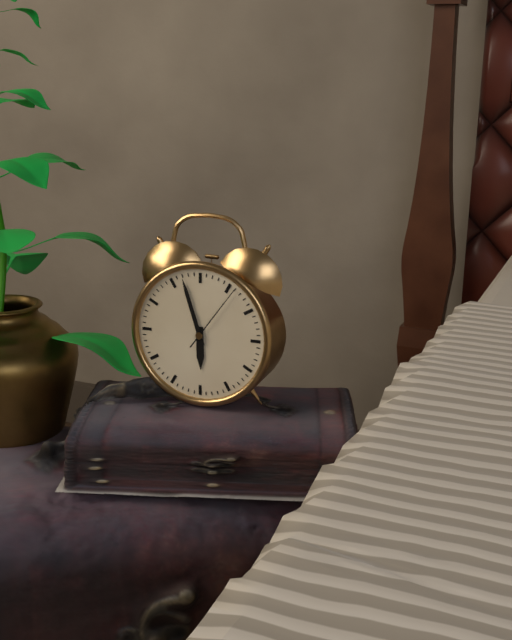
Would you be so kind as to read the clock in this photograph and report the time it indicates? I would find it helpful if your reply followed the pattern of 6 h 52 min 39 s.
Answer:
5 h 57 min 06 s
